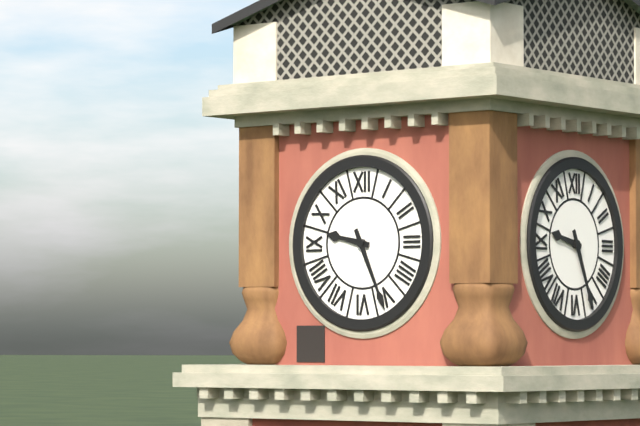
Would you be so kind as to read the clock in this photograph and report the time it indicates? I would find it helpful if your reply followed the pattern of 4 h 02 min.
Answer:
9 h 26 min
